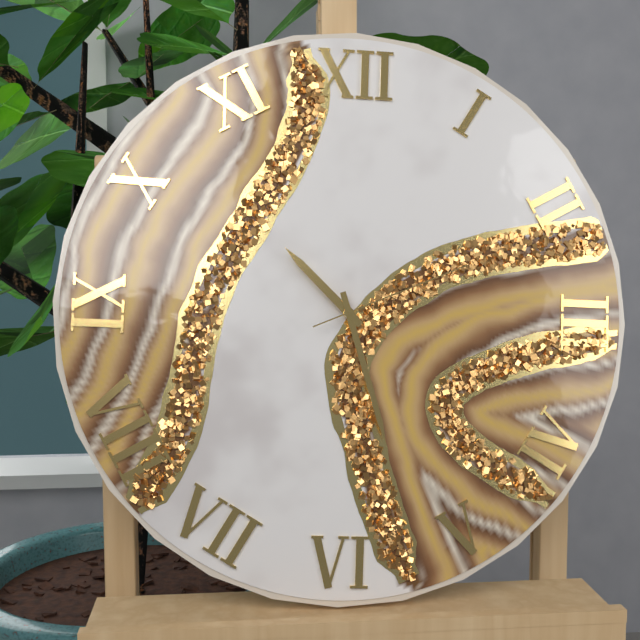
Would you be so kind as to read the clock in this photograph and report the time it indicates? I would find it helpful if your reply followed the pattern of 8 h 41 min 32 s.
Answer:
10 h 27 min 11 s
